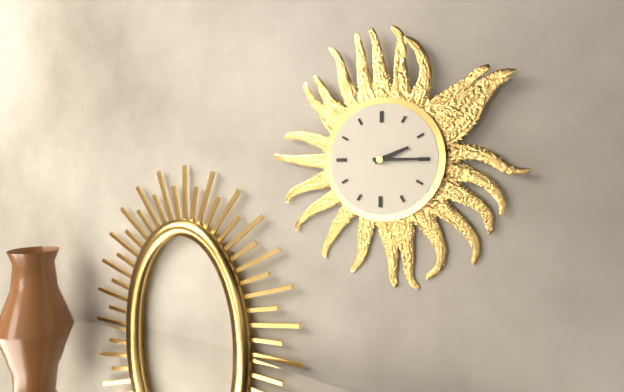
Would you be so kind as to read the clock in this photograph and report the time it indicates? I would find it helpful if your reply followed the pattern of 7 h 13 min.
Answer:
2 h 15 min
